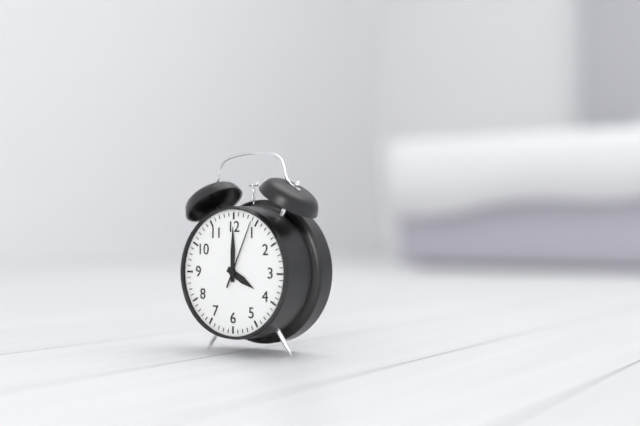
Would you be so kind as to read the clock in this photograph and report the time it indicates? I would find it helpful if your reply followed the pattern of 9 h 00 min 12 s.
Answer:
4 h 00 min 04 s
